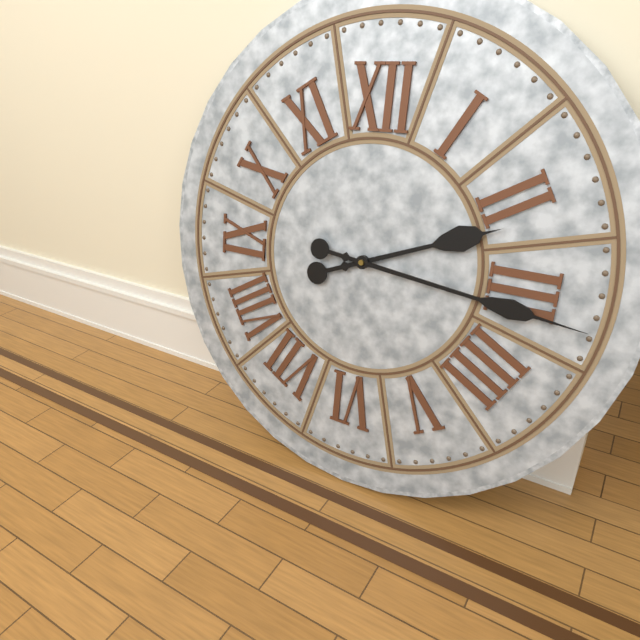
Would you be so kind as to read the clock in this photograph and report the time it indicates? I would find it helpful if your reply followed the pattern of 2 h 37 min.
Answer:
2 h 16 min
